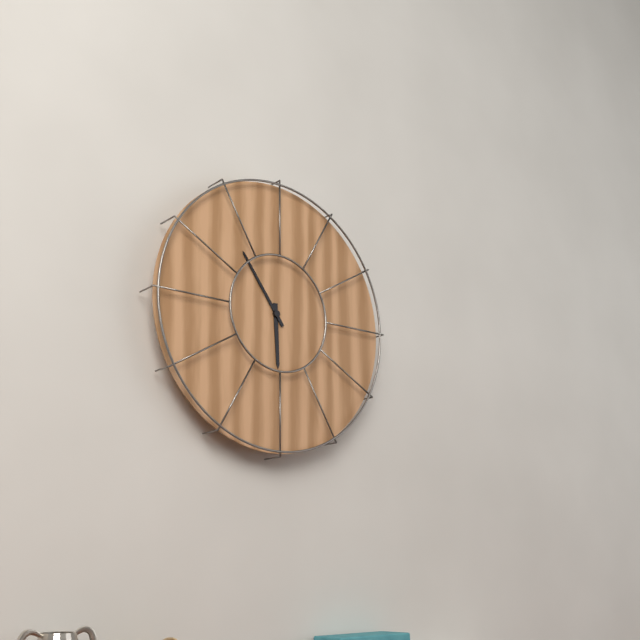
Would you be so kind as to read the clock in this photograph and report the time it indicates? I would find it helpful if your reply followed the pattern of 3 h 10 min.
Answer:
5 h 54 min
